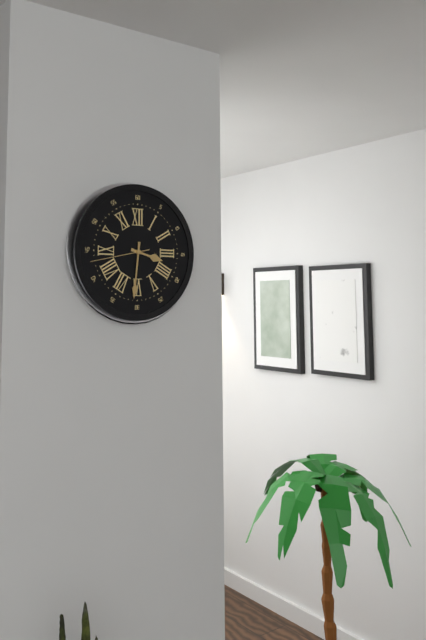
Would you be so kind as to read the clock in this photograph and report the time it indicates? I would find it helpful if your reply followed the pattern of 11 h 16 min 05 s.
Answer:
3 h 31 min 43 s
